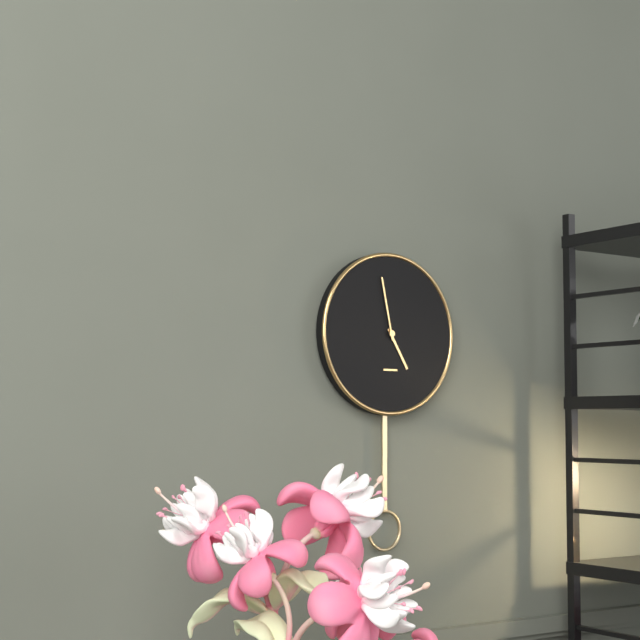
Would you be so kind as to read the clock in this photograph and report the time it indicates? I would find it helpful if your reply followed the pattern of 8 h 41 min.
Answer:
4 h 58 min
